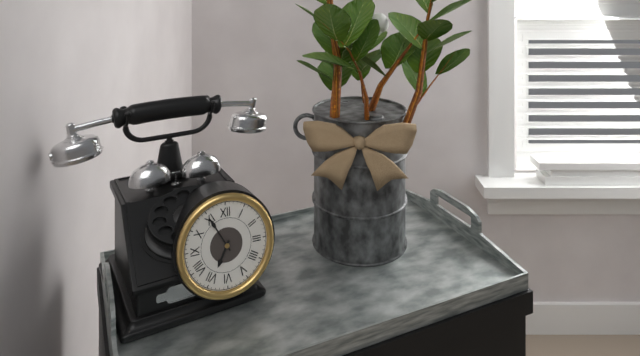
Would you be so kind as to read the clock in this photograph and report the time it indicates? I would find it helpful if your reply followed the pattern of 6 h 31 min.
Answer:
6 h 55 min
